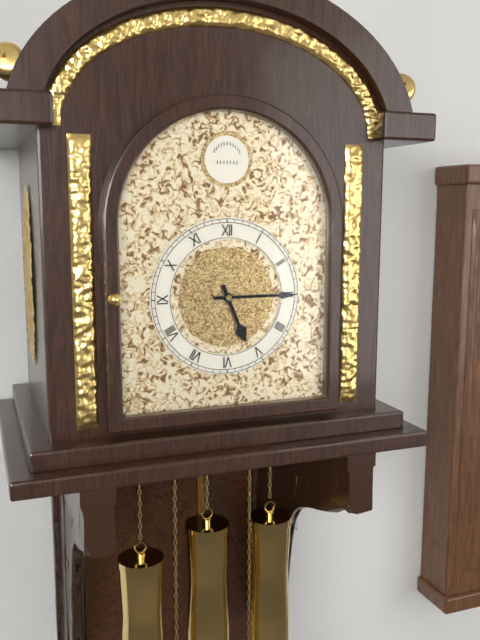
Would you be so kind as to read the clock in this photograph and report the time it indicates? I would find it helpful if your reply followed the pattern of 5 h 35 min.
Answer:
5 h 15 min
